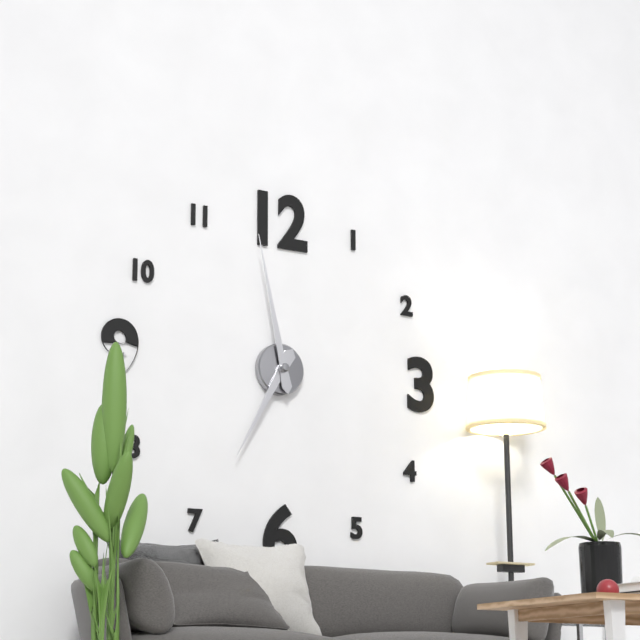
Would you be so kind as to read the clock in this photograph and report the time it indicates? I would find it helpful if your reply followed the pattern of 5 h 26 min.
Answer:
6 h 58 min
